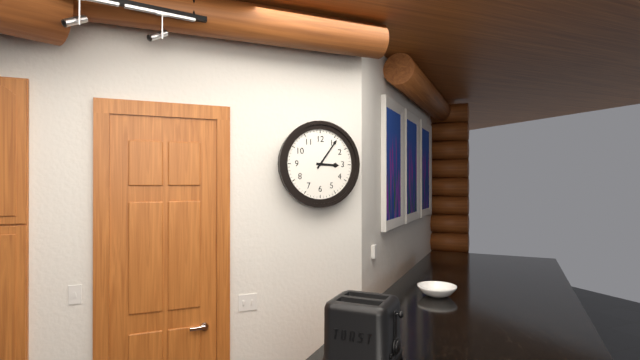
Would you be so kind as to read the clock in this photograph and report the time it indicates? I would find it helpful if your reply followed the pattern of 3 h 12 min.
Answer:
3 h 06 min
